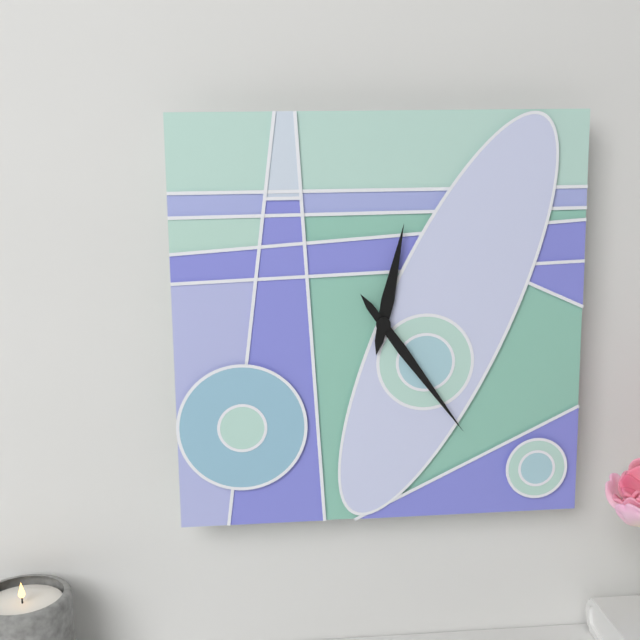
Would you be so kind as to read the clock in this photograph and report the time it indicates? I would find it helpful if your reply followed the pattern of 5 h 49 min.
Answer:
12 h 24 min
